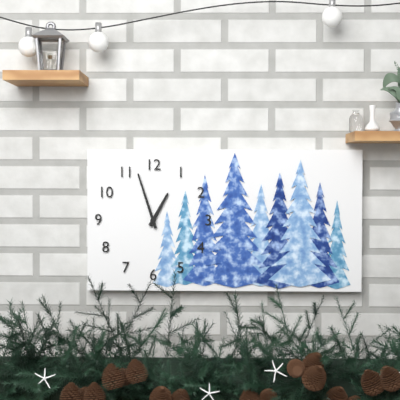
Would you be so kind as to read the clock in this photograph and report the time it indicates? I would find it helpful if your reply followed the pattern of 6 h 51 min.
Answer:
12 h 57 min
